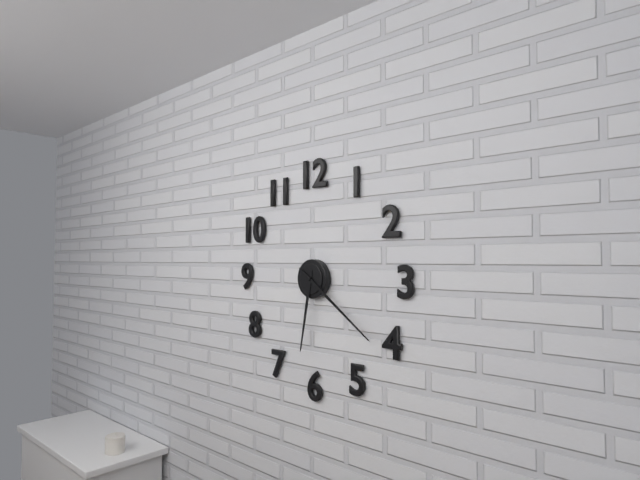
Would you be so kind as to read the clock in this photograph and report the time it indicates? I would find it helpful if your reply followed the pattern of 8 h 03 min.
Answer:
6 h 21 min
